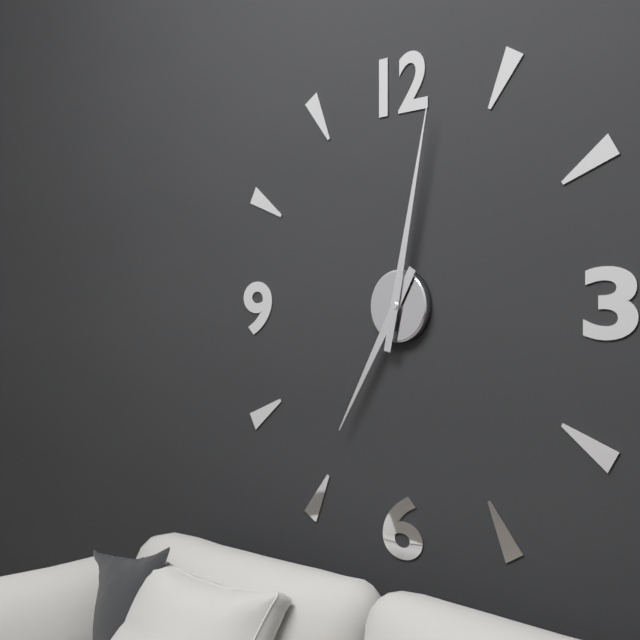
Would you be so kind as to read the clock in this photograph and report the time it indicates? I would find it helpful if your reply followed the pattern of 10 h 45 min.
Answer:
7 h 02 min
